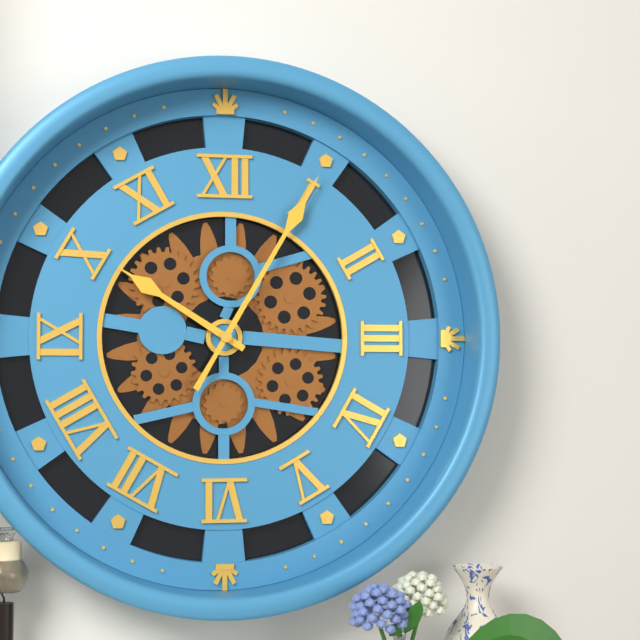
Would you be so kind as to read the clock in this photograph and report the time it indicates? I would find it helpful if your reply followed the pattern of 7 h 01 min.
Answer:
10 h 05 min
